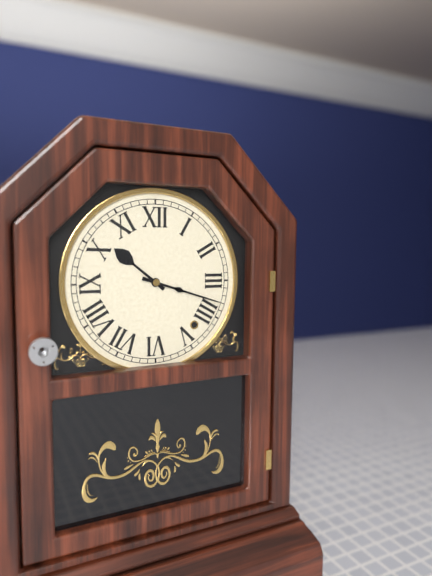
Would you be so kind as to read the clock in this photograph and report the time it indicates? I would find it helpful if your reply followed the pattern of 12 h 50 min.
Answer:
10 h 18 min
